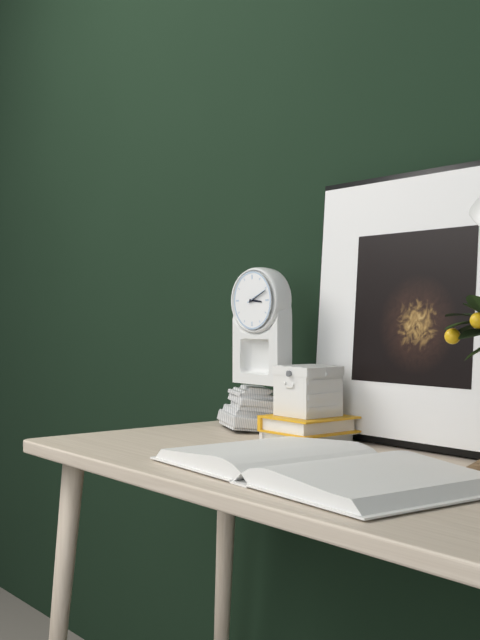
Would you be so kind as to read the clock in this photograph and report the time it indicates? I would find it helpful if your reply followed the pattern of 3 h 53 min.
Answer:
3 h 11 min
